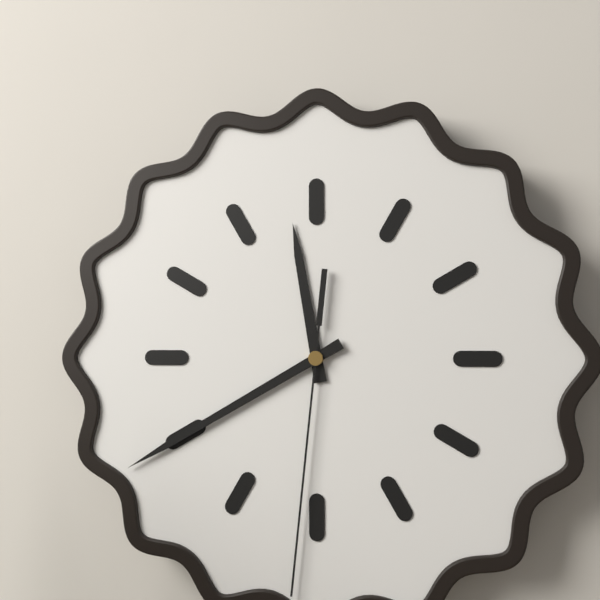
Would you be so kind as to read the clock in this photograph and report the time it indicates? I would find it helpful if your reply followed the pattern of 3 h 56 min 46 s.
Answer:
11 h 40 min 31 s
